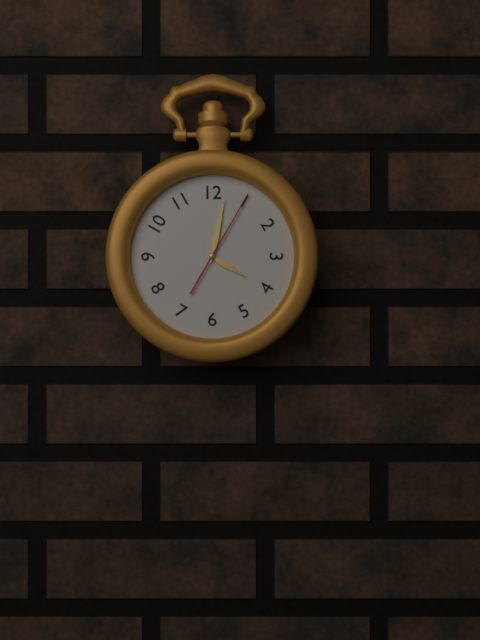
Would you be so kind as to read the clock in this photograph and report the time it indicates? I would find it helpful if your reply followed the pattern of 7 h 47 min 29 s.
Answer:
4 h 02 min 05 s
